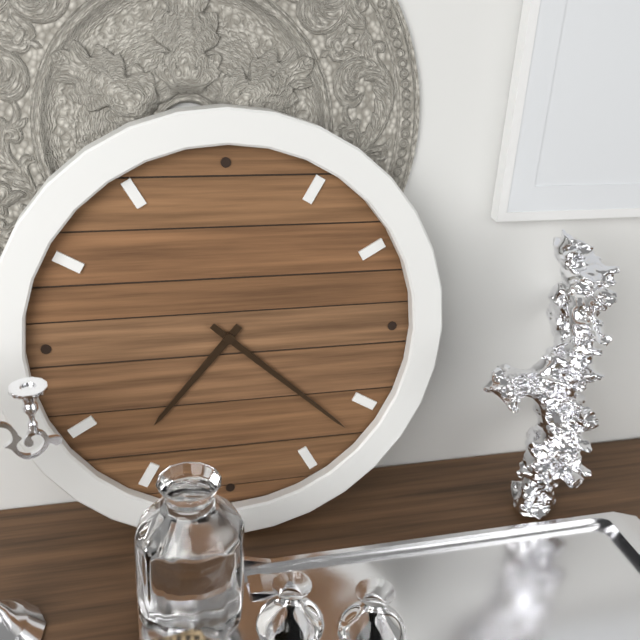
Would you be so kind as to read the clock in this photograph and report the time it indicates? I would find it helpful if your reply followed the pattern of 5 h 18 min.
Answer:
7 h 22 min
